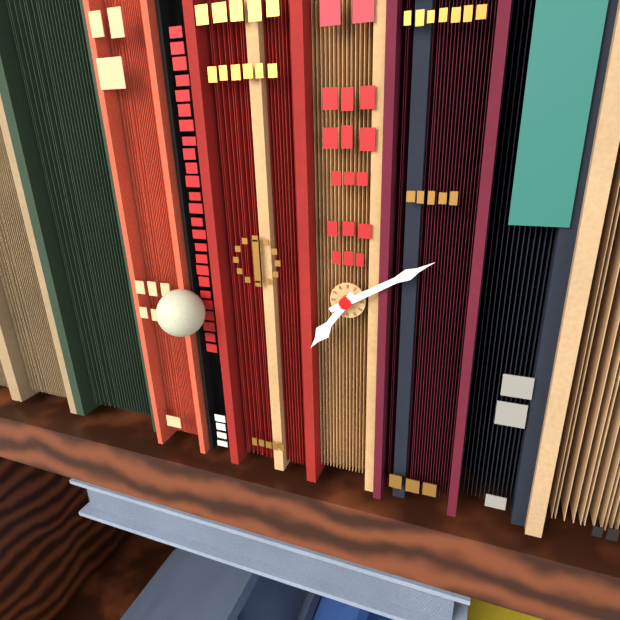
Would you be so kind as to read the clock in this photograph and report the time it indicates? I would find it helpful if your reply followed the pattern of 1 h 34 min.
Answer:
7 h 10 min
